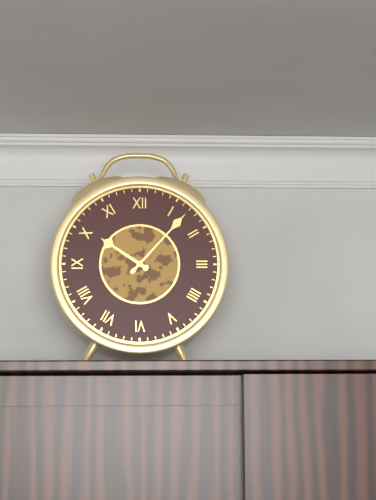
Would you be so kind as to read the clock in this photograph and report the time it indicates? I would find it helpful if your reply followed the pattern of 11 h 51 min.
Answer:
10 h 07 min
